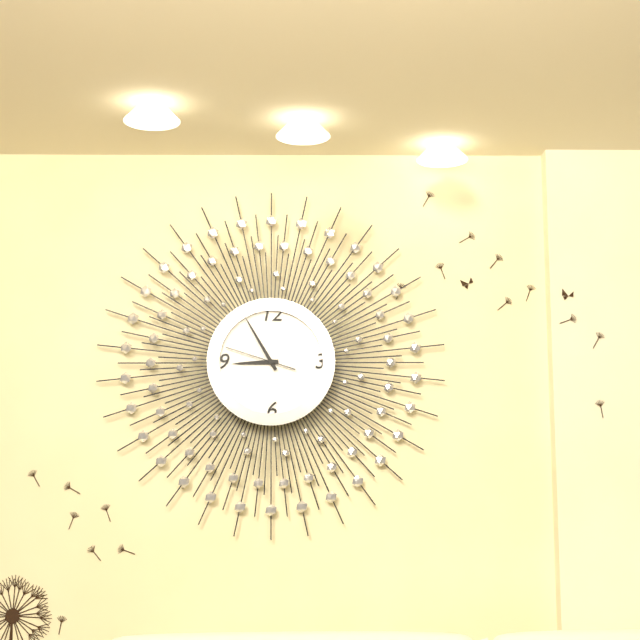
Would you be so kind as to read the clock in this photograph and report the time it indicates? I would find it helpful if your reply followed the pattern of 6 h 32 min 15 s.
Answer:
8 h 55 min 48 s
